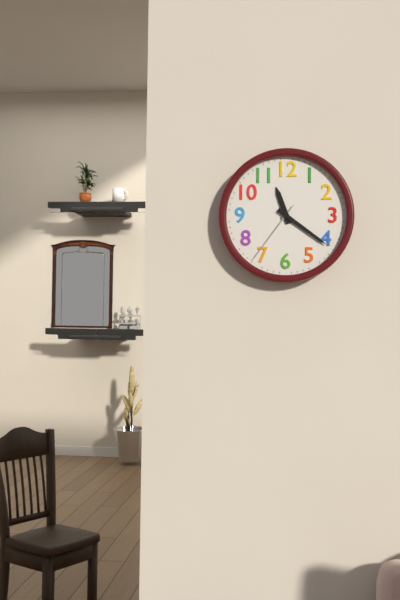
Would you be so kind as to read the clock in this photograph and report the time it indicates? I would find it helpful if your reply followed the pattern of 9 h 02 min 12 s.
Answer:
11 h 21 min 36 s
